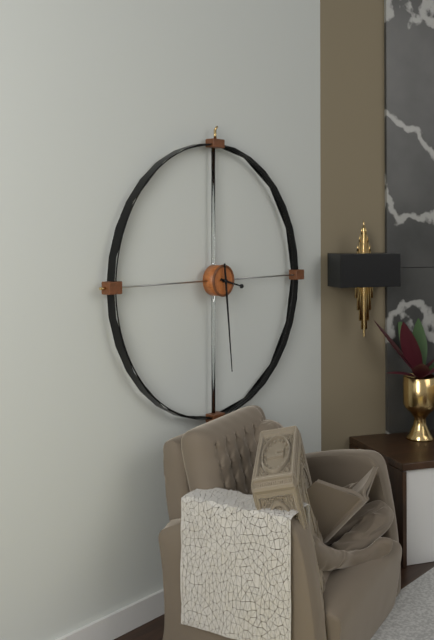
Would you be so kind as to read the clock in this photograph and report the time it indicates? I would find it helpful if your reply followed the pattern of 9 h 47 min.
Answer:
3 h 29 min
